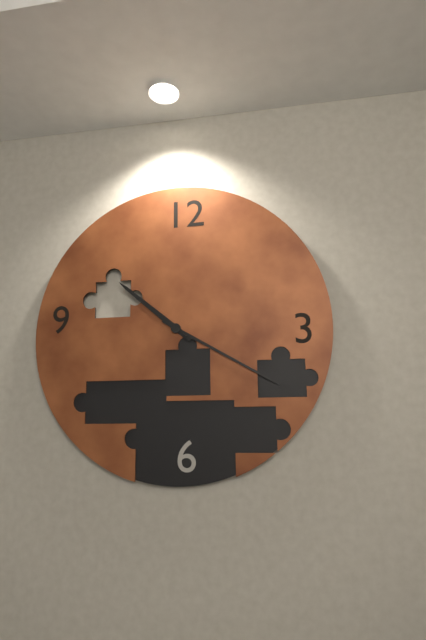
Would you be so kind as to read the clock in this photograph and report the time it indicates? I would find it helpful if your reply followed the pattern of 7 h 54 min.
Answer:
10 h 20 min
